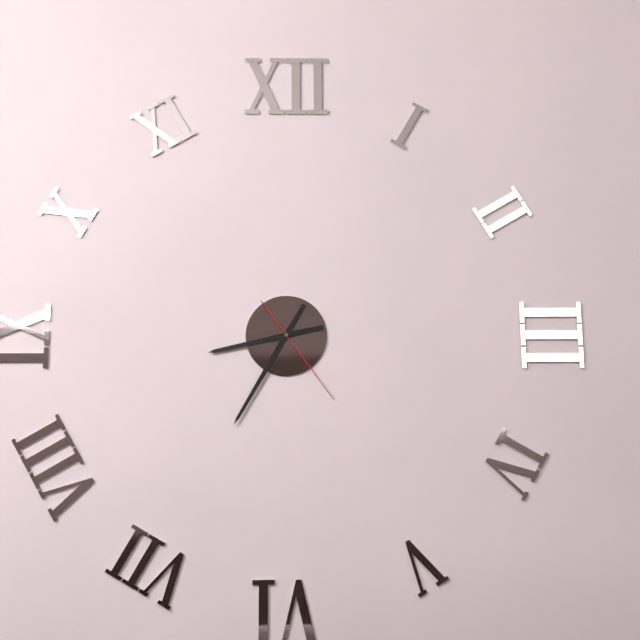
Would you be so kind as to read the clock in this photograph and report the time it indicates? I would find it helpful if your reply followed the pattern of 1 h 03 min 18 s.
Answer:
8 h 35 min 24 s
